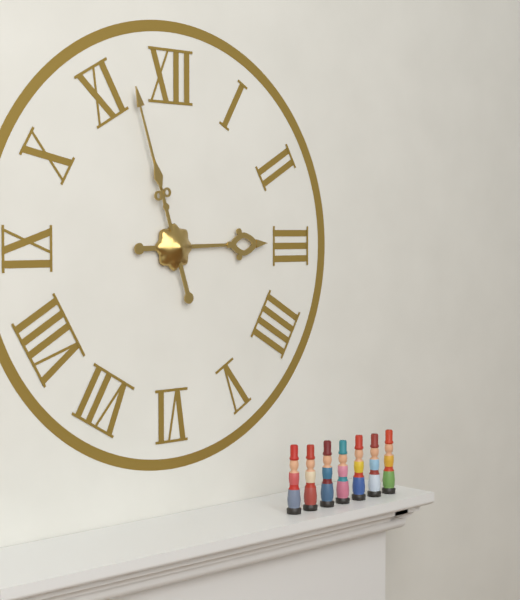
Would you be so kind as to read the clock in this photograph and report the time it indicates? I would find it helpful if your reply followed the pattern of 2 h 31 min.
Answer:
2 h 57 min
